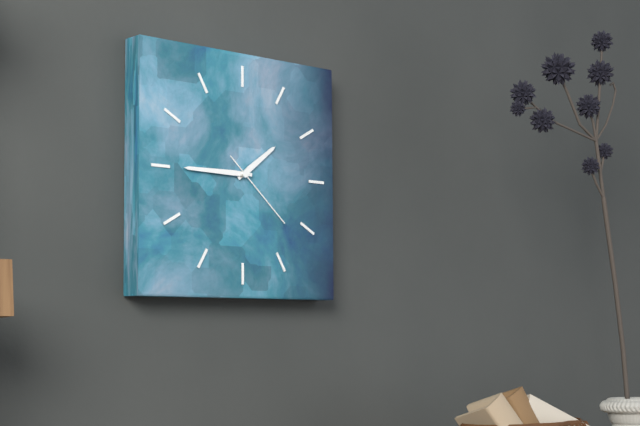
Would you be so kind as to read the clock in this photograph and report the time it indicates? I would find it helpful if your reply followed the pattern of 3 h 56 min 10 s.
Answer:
1 h 45 min 22 s
